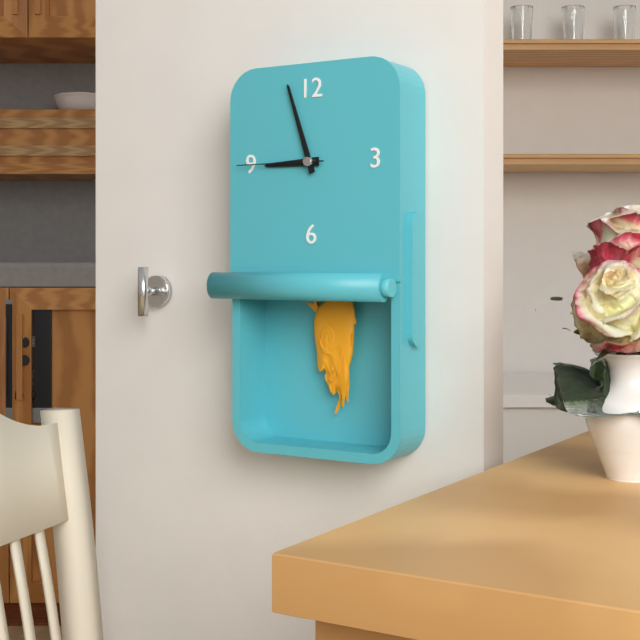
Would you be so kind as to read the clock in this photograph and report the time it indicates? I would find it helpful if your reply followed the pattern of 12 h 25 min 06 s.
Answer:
8 h 57 min 45 s
